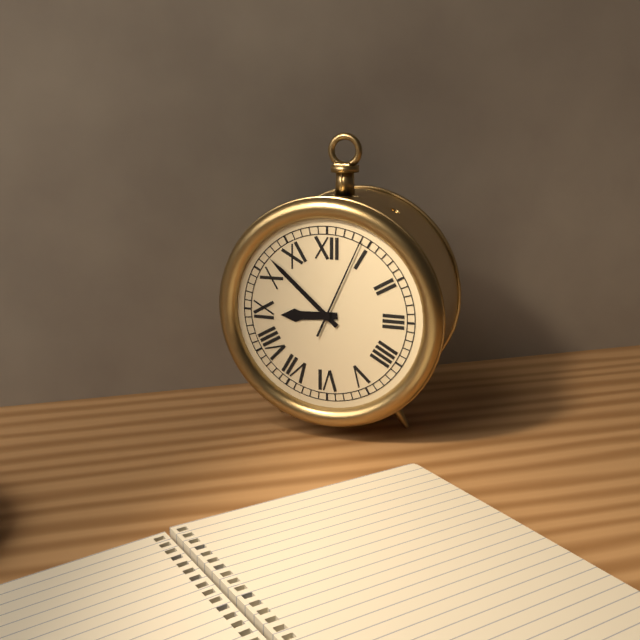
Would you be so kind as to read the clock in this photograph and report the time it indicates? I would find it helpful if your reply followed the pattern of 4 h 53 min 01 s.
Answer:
8 h 52 min 04 s
